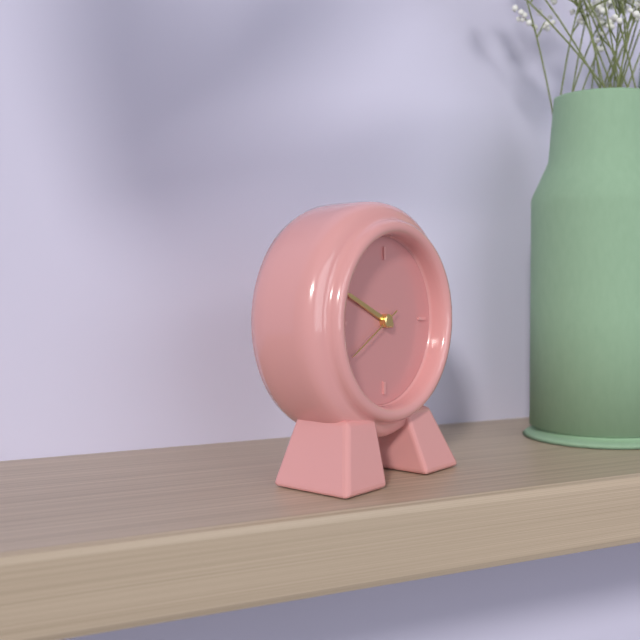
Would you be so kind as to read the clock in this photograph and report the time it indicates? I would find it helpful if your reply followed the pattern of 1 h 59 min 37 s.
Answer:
9 h 49 min 40 s
